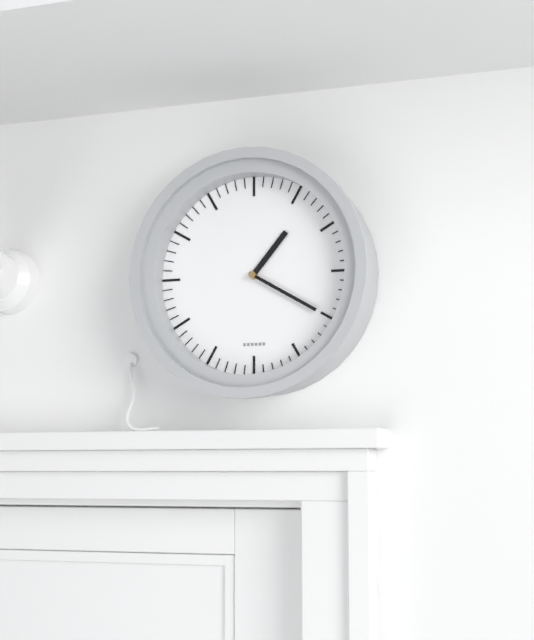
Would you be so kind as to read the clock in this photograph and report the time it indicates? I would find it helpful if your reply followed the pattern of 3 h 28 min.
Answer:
1 h 20 min
